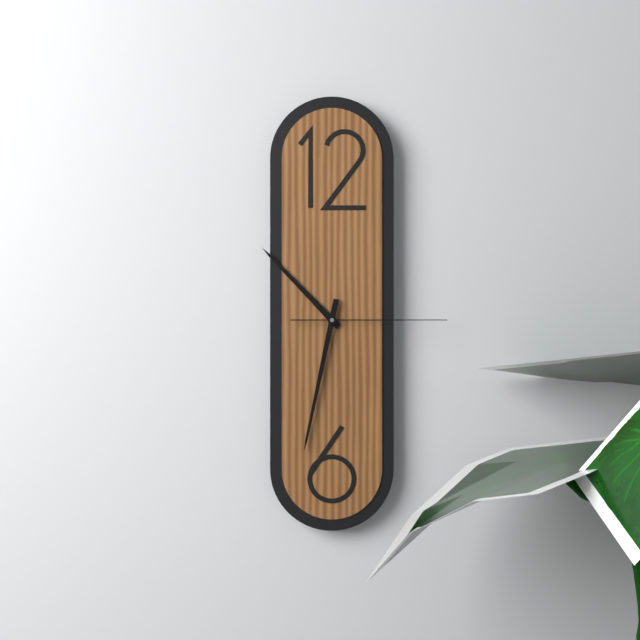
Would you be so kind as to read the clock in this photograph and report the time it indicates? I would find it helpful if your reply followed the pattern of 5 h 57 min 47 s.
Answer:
10 h 32 min 15 s
